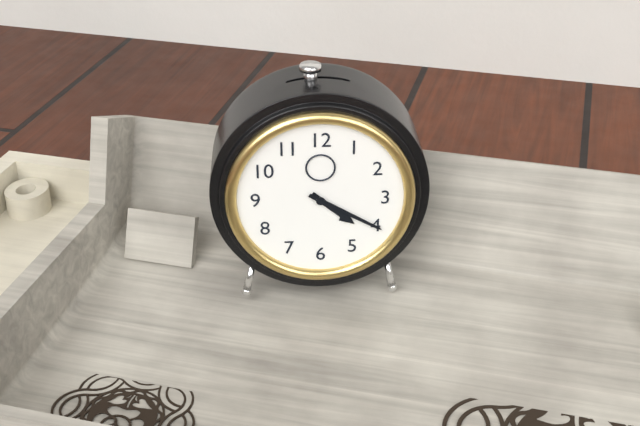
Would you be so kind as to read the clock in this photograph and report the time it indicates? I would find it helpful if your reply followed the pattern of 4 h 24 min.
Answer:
4 h 20 min
